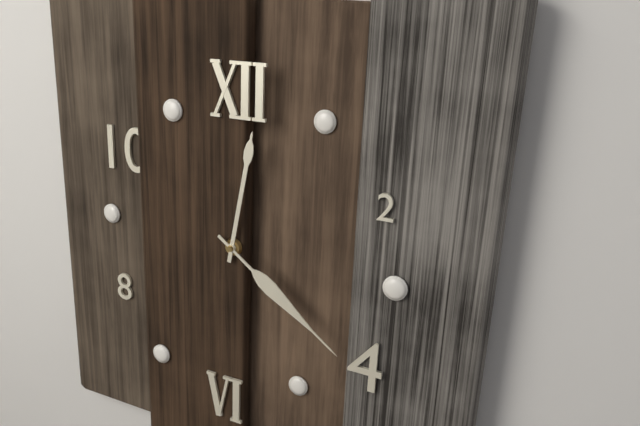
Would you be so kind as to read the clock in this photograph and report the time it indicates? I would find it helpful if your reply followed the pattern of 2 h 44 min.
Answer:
12 h 21 min
